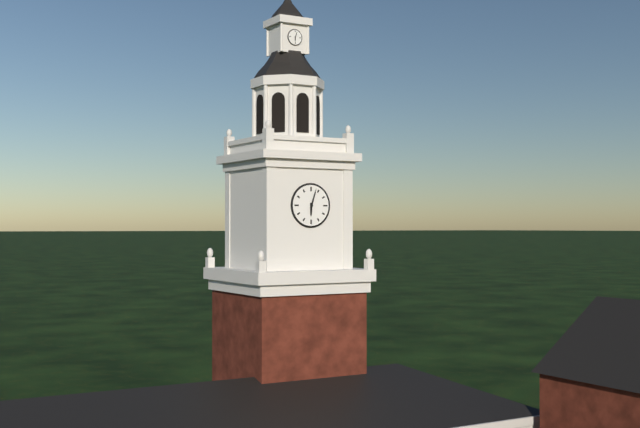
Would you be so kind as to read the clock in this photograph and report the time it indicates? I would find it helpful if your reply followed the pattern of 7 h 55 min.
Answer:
6 h 03 min
